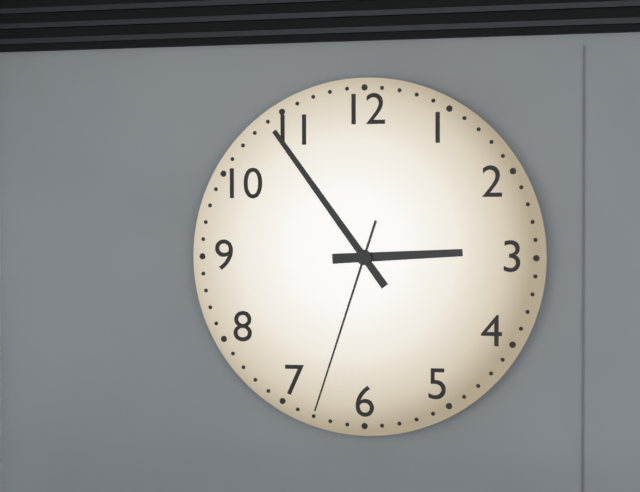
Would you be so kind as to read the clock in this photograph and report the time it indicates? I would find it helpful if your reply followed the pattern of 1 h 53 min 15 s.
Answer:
2 h 54 min 33 s
